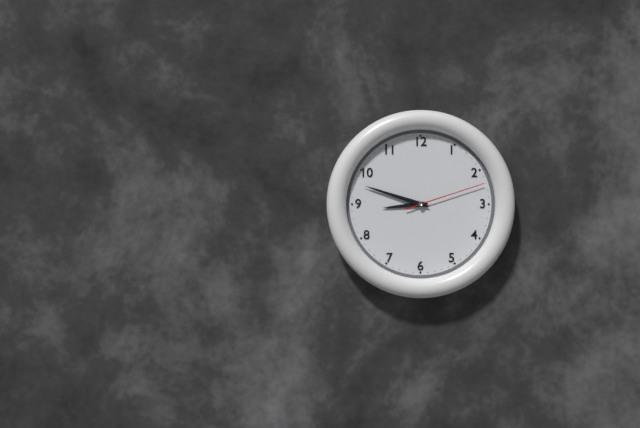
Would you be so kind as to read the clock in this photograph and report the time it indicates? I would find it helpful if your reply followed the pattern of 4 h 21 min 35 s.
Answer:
8 h 48 min 12 s
